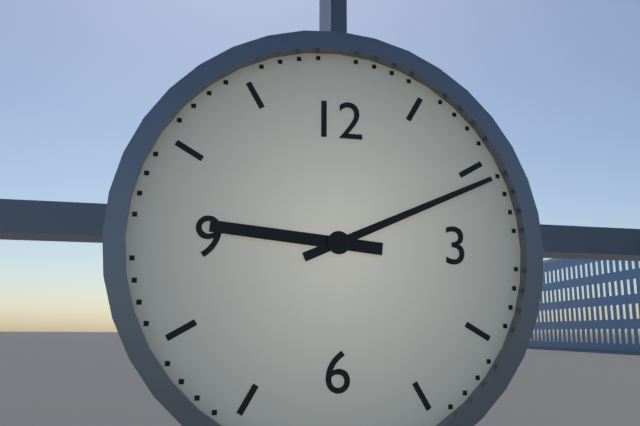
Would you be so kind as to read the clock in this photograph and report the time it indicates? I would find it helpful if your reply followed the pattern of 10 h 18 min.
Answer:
9 h 11 min
